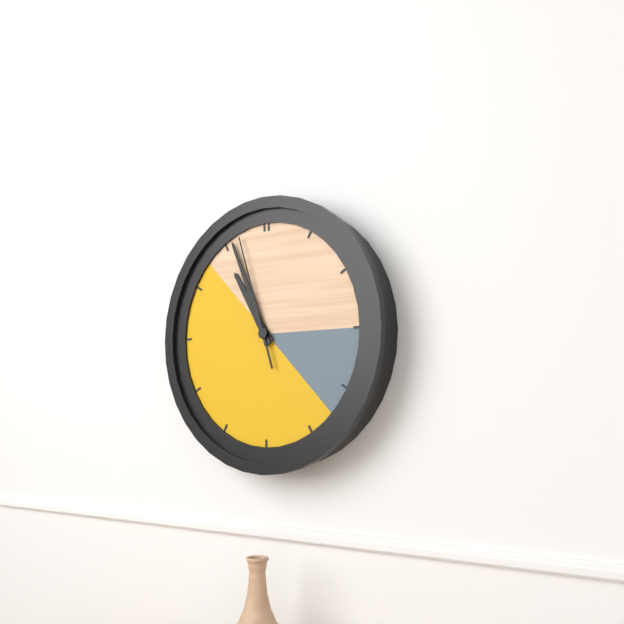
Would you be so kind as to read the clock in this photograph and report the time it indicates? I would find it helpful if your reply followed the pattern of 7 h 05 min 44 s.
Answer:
10 h 56 min 57 s
